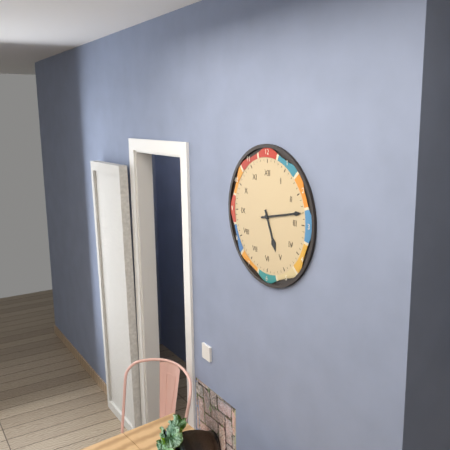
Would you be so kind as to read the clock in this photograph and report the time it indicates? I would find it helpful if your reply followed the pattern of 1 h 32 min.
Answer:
5 h 13 min
